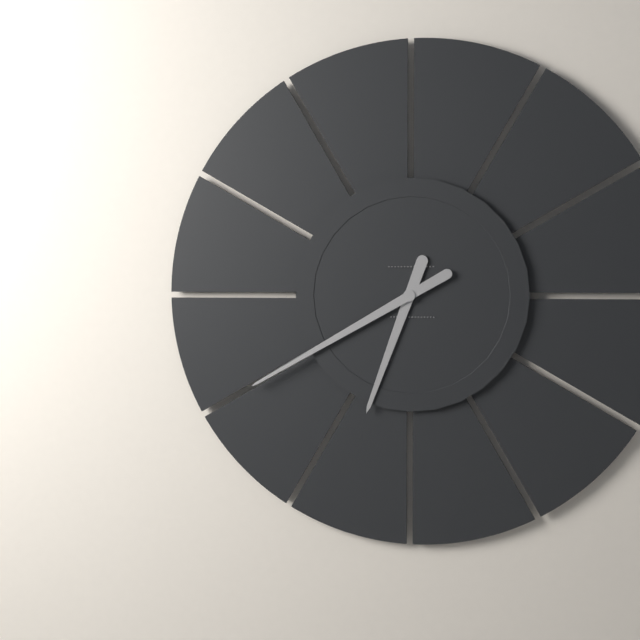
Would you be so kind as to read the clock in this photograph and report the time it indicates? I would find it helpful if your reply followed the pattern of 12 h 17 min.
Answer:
6 h 40 min
